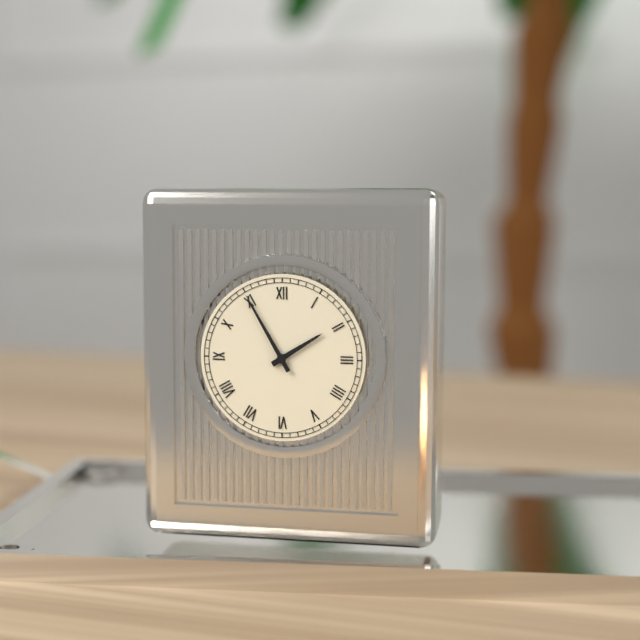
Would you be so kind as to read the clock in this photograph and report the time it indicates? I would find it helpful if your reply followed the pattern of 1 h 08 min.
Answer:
1 h 55 min
